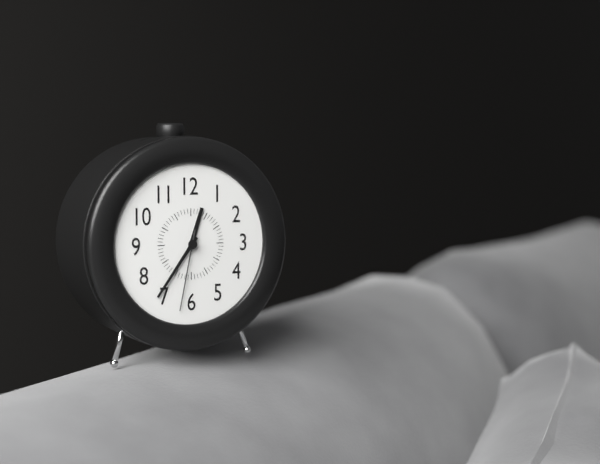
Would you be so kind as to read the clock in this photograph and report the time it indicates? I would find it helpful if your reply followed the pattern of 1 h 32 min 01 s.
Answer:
12 h 36 min 32 s
